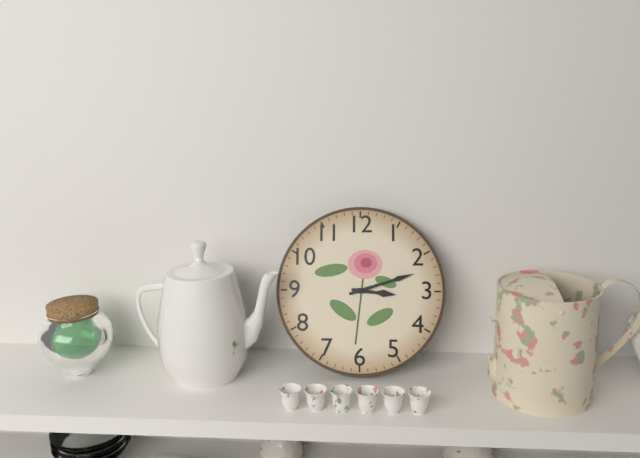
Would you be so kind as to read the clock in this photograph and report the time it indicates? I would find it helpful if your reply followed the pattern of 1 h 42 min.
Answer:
3 h 12 min
